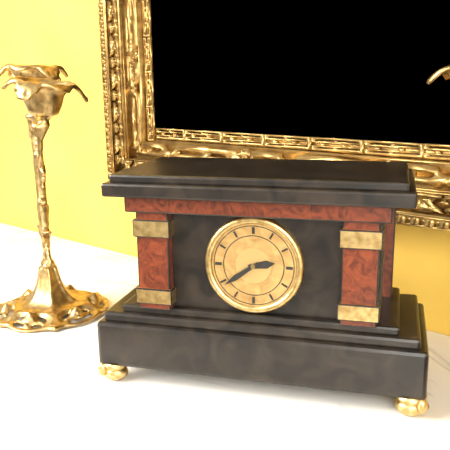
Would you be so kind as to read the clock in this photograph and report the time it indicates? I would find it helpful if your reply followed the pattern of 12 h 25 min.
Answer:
2 h 39 min
